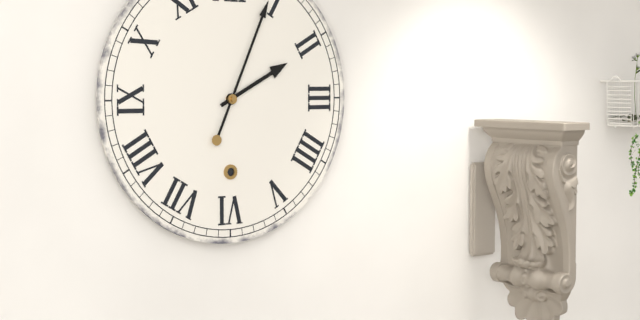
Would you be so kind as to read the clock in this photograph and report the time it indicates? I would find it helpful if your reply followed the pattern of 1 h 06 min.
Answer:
2 h 04 min
